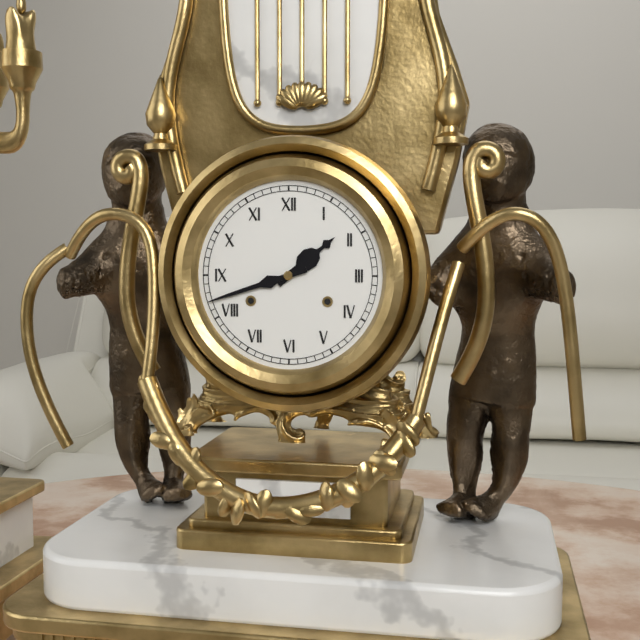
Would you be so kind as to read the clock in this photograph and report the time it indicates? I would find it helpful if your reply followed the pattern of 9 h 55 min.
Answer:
1 h 42 min
